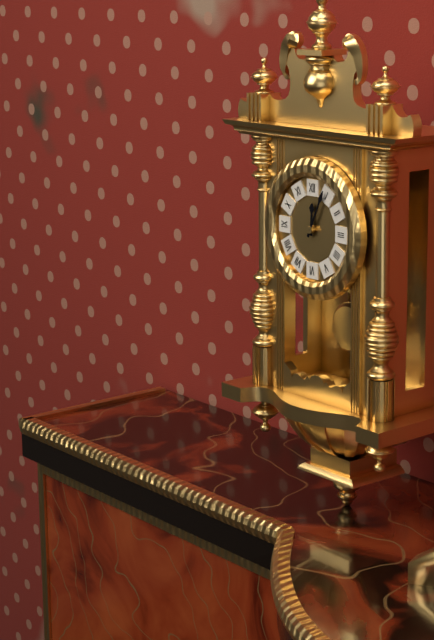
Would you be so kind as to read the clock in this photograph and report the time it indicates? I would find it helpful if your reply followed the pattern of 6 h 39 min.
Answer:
12 h 04 min
